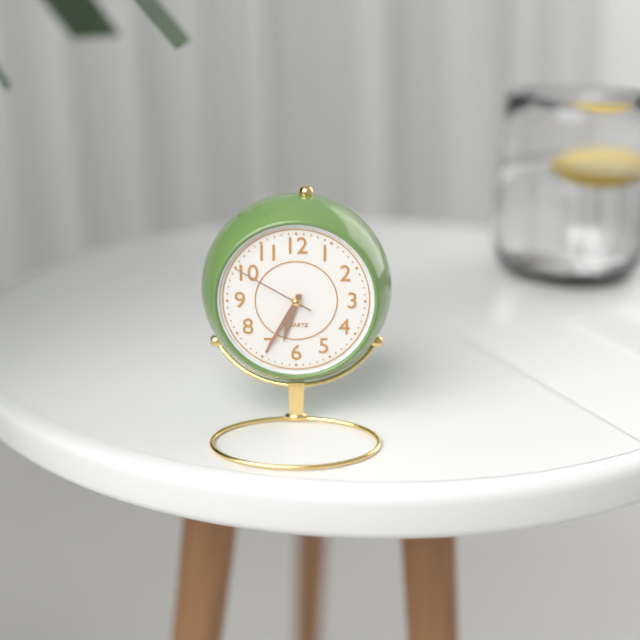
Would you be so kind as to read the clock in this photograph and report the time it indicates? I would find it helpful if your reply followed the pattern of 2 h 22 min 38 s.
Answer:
6 h 35 min 50 s
